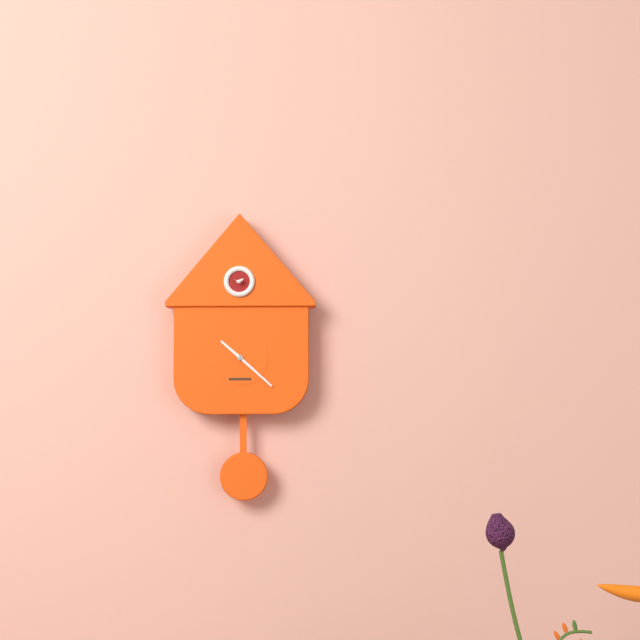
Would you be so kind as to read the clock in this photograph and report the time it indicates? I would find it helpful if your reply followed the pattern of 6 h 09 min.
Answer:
10 h 22 min
